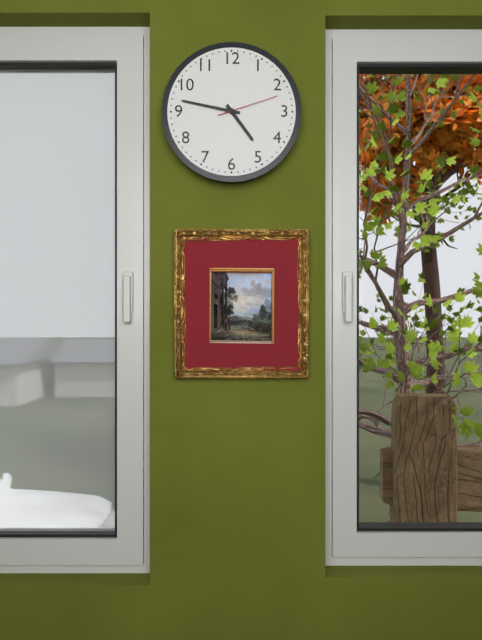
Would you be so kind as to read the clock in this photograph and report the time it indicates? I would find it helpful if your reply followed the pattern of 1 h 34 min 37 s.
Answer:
4 h 47 min 12 s
